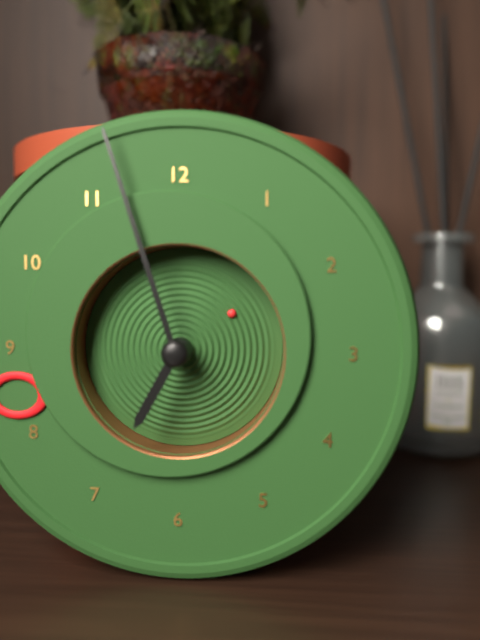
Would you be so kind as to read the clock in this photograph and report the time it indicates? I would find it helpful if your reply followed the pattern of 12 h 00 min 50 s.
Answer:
6 h 57 min 09 s
